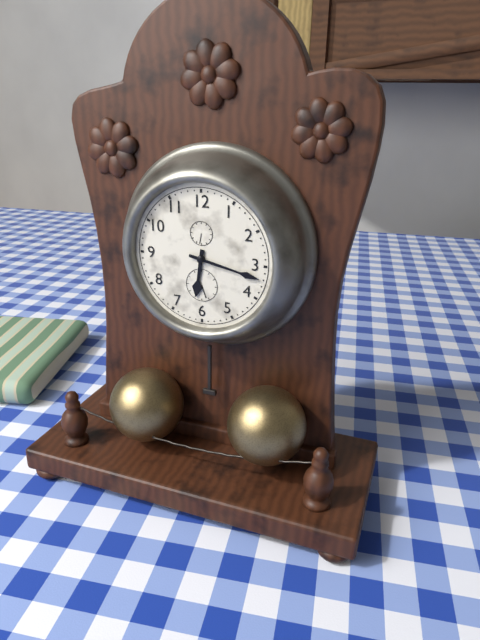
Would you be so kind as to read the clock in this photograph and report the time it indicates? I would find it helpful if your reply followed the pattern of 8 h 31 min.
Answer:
6 h 17 min
